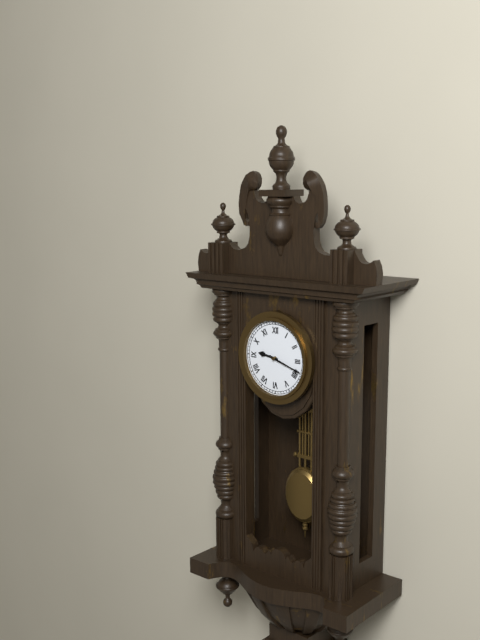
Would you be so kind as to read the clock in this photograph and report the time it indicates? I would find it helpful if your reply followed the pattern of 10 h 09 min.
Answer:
9 h 18 min
